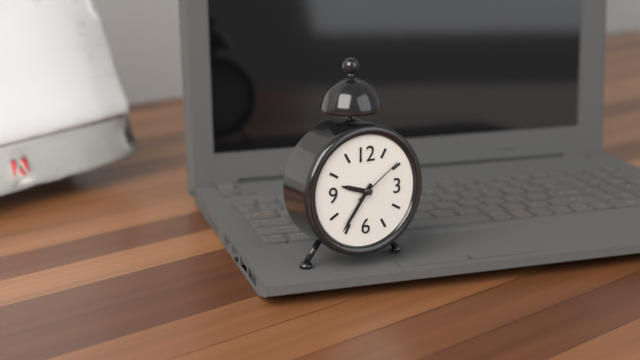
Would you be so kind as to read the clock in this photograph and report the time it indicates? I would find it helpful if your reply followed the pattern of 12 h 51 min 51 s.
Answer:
9 h 36 min 09 s
